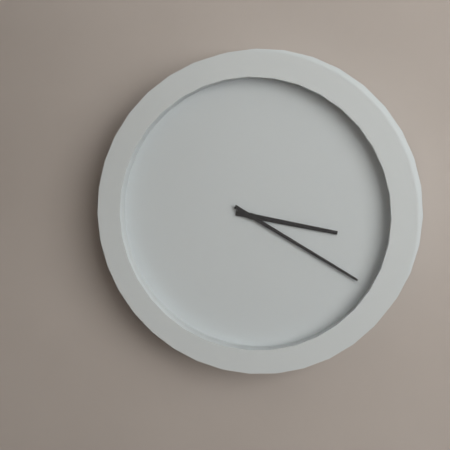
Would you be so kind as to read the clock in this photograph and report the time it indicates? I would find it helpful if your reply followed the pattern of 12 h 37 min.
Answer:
3 h 20 min
